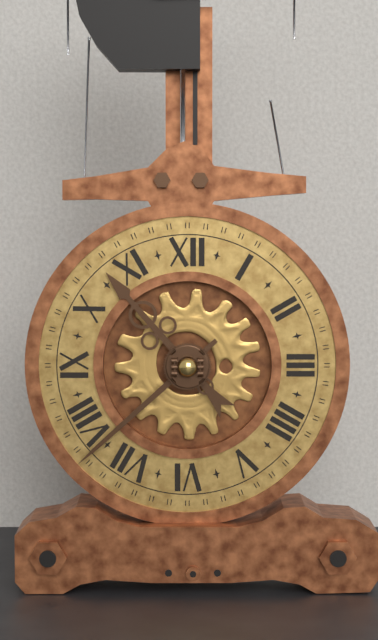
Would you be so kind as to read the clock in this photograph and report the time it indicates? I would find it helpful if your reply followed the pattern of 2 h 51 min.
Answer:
10 h 38 min
